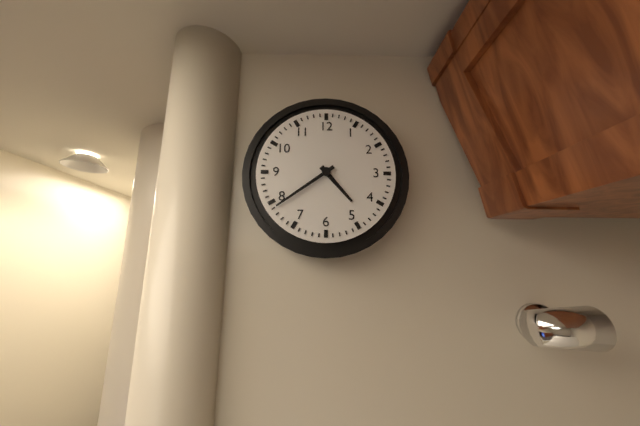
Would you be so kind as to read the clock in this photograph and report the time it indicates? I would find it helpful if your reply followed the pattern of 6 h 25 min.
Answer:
4 h 39 min
